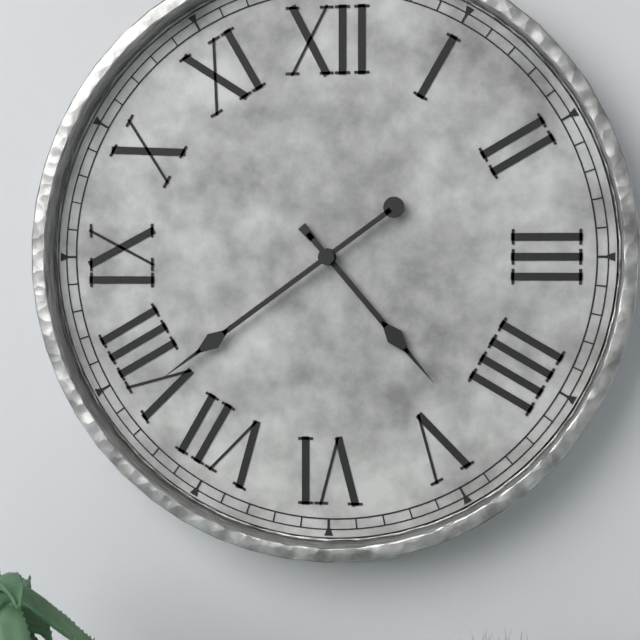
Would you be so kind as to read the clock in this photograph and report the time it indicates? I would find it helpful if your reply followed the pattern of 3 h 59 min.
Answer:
4 h 39 min
